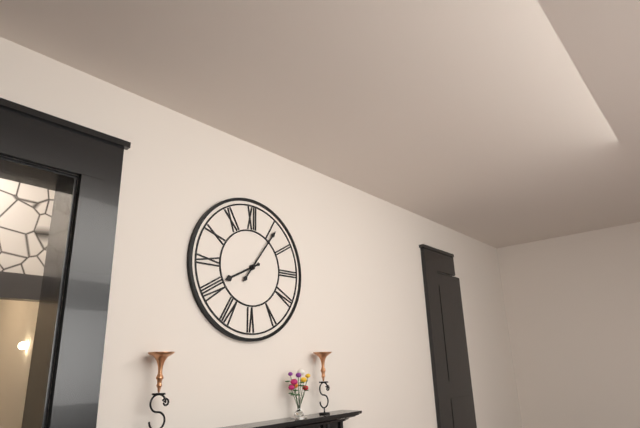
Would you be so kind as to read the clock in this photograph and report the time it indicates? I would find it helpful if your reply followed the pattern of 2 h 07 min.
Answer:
8 h 06 min
